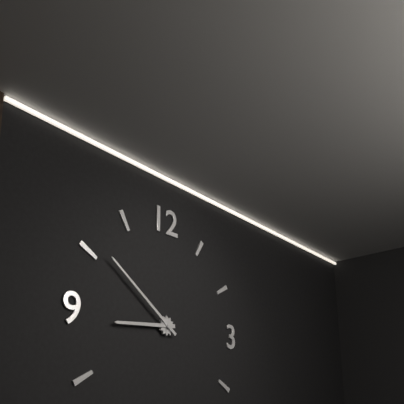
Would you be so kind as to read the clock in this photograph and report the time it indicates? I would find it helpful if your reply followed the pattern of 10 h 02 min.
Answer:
8 h 51 min
